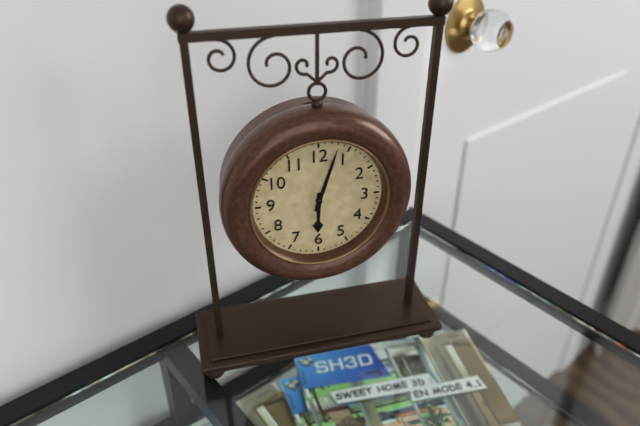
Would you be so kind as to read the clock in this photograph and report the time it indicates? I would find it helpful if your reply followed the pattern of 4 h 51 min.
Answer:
6 h 03 min
